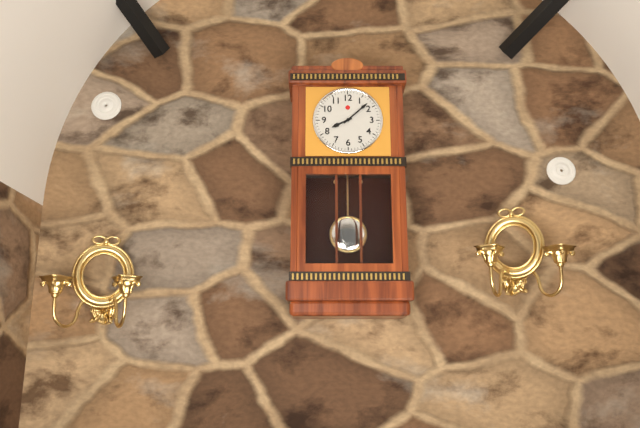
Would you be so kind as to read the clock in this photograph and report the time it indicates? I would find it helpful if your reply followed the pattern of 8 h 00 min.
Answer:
8 h 08 min
